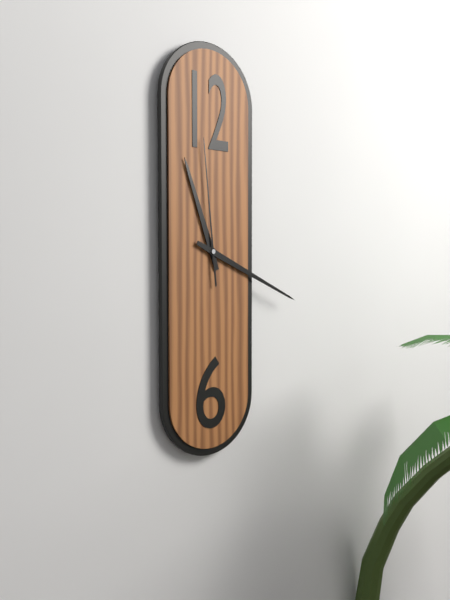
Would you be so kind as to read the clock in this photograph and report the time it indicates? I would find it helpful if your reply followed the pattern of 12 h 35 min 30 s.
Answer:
11 h 19 min 59 s
